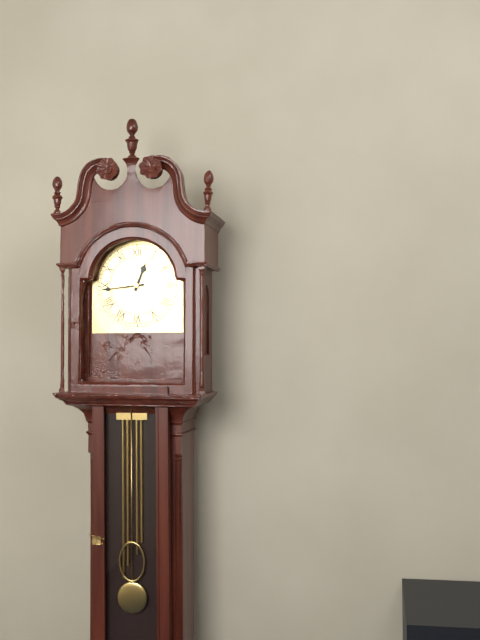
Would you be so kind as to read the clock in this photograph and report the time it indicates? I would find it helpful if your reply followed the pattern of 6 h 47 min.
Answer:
12 h 44 min
